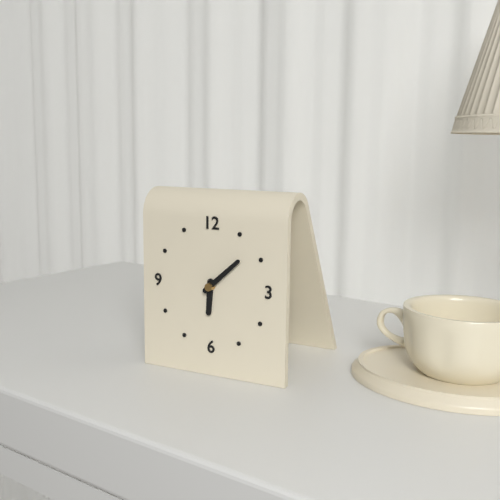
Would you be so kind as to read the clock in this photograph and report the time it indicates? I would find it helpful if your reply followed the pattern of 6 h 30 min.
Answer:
6 h 08 min
